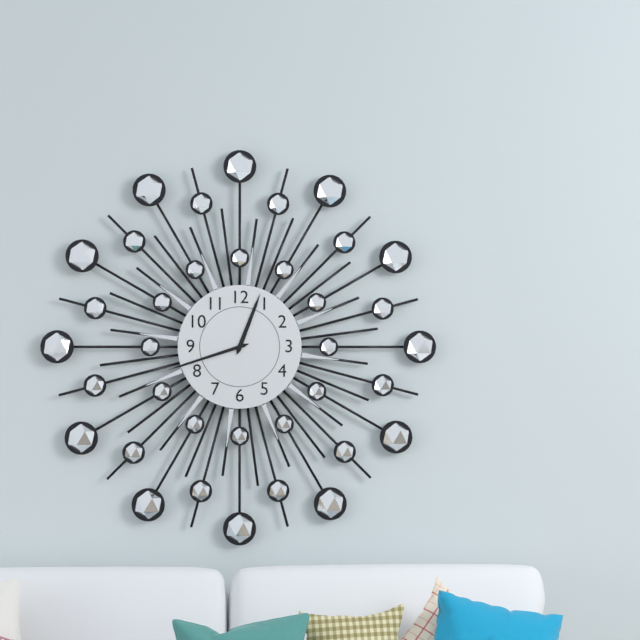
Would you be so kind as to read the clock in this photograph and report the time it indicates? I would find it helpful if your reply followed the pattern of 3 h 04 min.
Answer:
12 h 42 min
